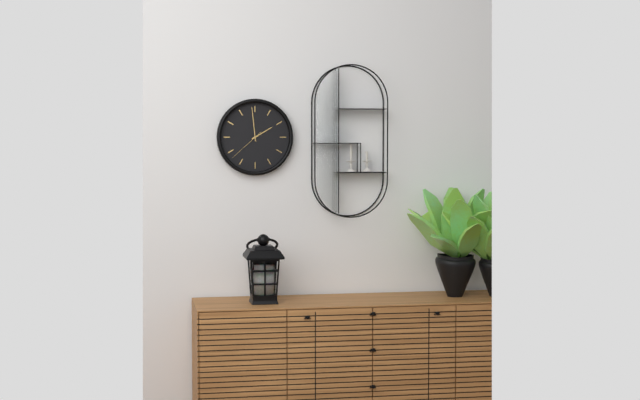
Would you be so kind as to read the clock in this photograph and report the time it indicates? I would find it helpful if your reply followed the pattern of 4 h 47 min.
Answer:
1 h 59 min
